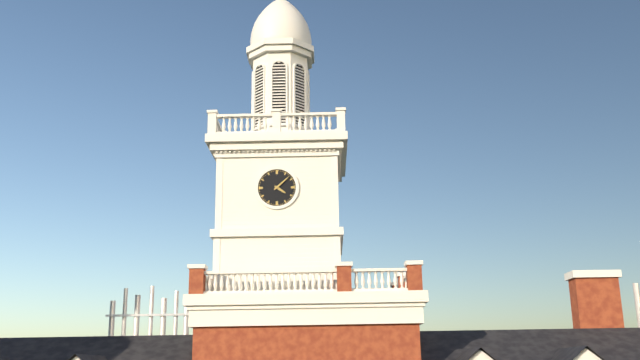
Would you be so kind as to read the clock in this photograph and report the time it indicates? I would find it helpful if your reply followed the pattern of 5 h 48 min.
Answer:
4 h 08 min
